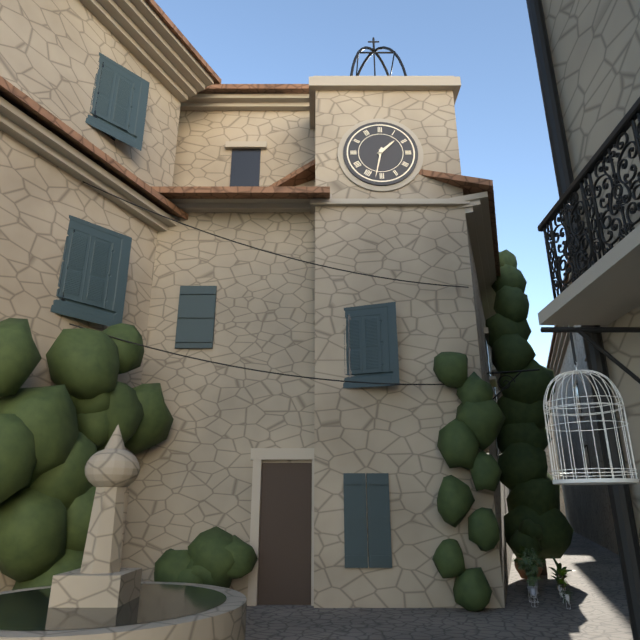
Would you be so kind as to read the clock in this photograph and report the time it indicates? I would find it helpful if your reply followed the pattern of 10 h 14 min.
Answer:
1 h 32 min
